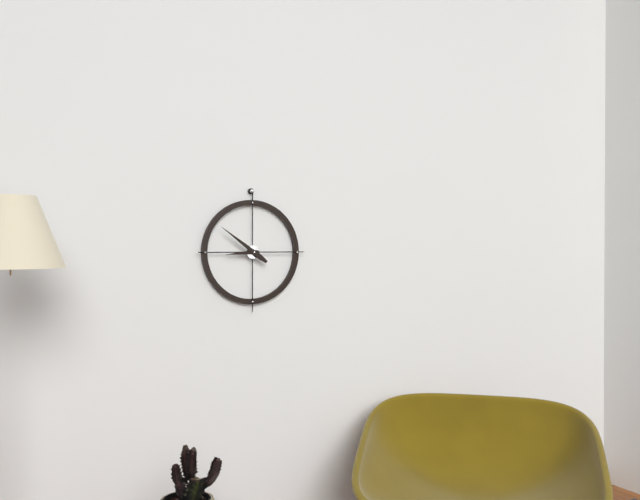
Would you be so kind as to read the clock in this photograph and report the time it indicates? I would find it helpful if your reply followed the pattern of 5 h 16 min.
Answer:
8 h 51 min
